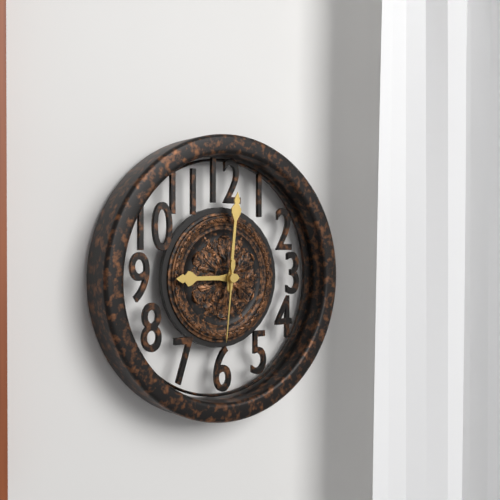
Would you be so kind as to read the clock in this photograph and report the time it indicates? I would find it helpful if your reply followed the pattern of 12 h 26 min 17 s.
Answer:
9 h 01 min 31 s
